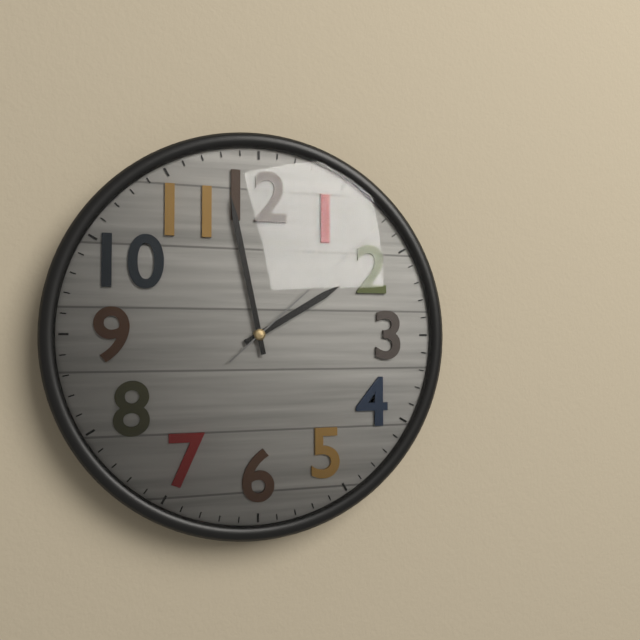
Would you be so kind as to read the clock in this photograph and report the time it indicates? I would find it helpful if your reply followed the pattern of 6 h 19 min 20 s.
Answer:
1 h 58 min 08 s
